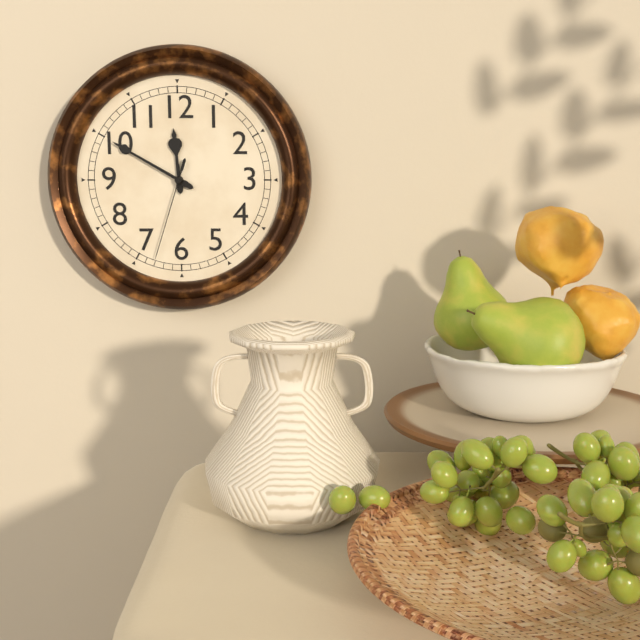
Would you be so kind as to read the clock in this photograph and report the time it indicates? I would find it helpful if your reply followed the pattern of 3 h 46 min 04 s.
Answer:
11 h 50 min 33 s
